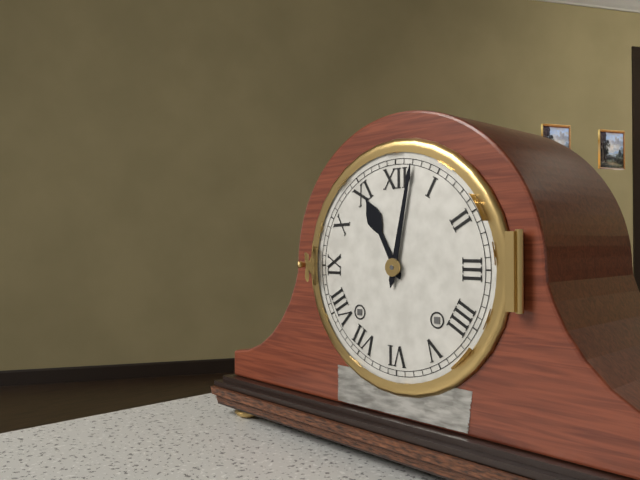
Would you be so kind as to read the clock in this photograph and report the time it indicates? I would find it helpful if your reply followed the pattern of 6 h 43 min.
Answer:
11 h 02 min
